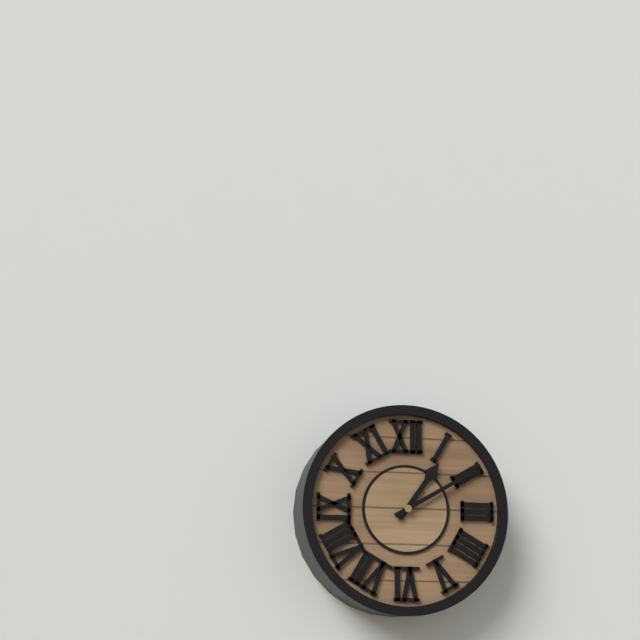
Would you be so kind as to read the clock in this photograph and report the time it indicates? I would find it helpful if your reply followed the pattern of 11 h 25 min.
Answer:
1 h 10 min
